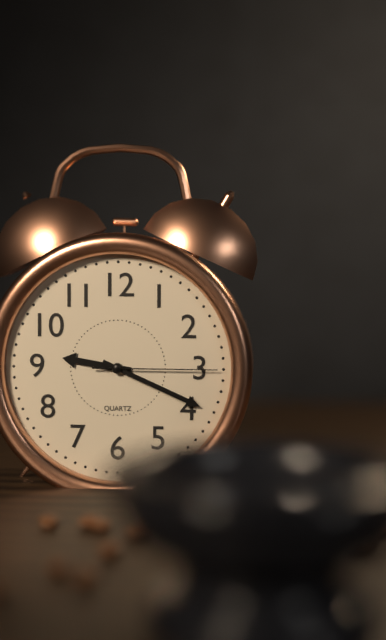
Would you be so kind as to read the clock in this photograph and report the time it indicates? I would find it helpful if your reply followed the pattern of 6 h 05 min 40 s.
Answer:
9 h 19 min 15 s
